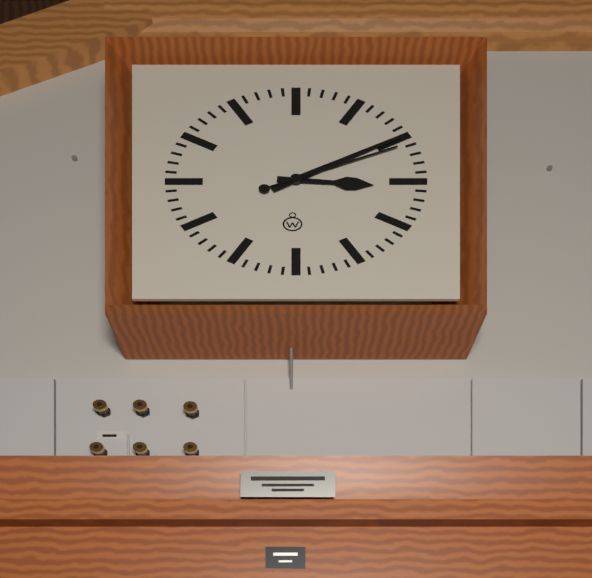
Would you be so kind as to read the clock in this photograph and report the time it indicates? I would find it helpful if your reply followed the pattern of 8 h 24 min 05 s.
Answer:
3 h 10 min 11 s
